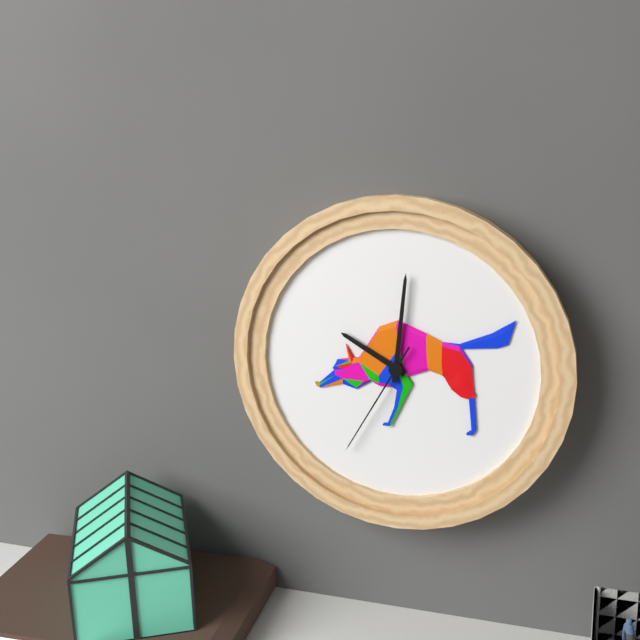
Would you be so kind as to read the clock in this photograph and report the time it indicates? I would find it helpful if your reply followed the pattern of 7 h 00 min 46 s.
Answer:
10 h 01 min 35 s
